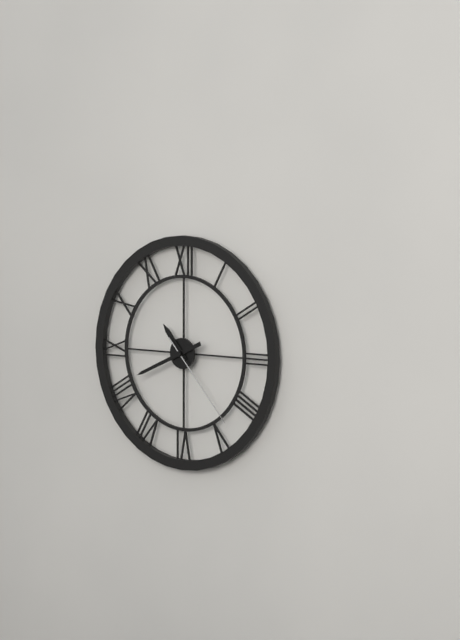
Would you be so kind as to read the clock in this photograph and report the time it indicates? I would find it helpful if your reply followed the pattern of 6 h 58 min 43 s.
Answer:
10 h 41 min 23 s
